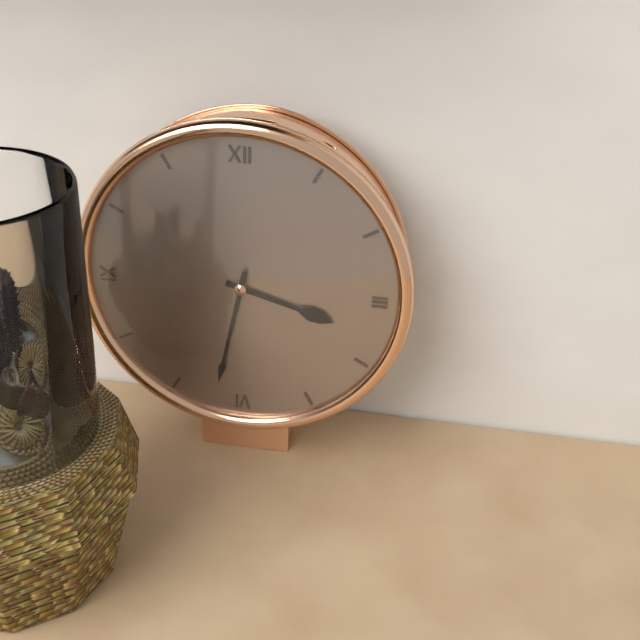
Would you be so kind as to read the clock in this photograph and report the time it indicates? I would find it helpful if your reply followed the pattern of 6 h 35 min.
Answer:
3 h 32 min
